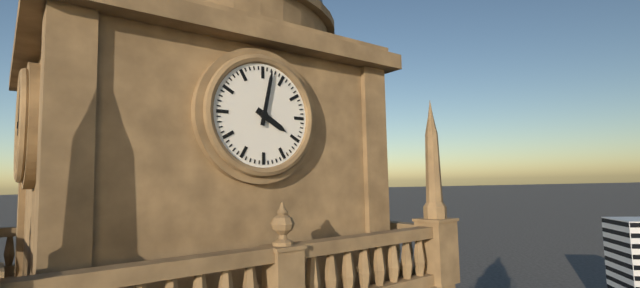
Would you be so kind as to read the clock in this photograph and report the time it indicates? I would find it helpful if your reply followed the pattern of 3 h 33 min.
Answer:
4 h 02 min
